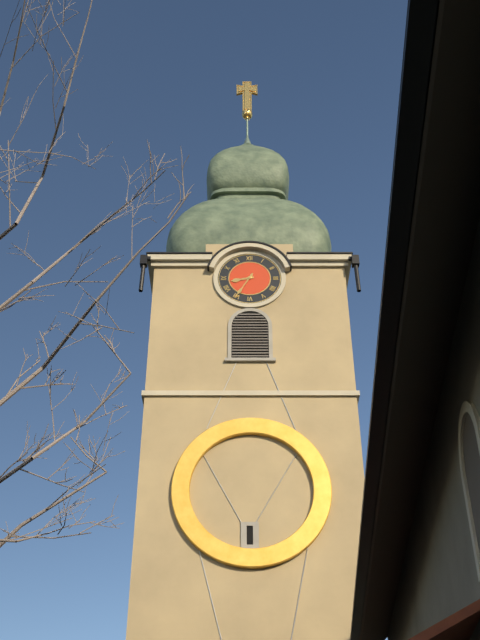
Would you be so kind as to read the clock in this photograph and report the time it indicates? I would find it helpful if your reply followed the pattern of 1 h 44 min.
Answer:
8 h 35 min
